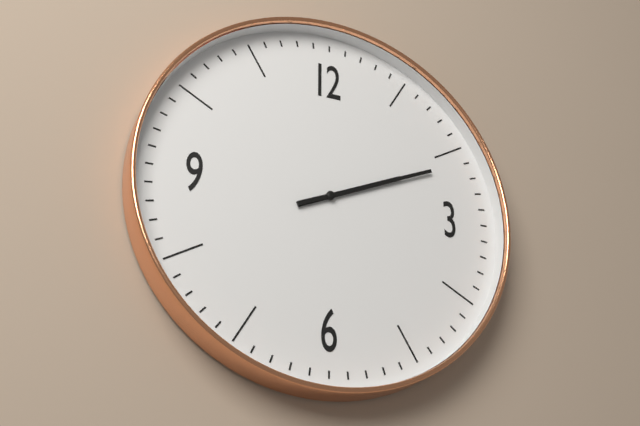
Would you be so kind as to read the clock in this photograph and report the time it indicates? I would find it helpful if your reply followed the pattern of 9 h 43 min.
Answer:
2 h 11 min
